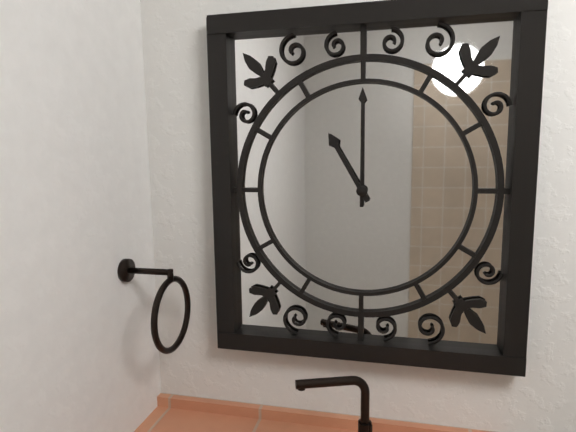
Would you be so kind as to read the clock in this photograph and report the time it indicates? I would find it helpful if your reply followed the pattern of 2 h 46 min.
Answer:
11 h 00 min
